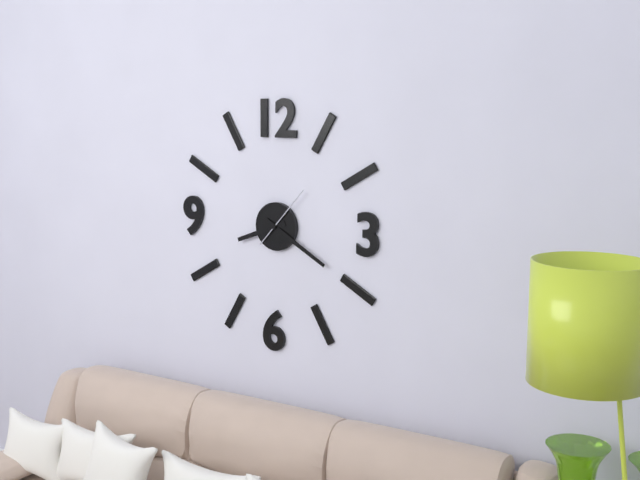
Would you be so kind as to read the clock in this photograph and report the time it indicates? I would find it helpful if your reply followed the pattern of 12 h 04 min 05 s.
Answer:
8 h 20 min 07 s
